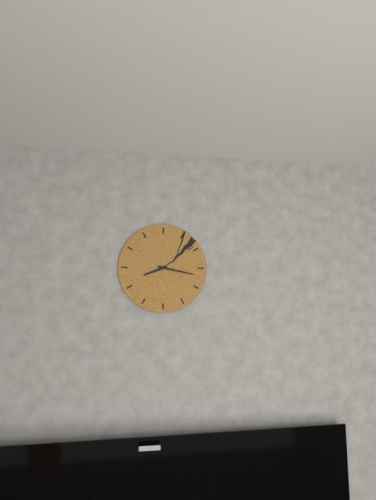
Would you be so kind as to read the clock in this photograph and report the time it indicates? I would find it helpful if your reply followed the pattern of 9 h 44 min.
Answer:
8 h 17 min
